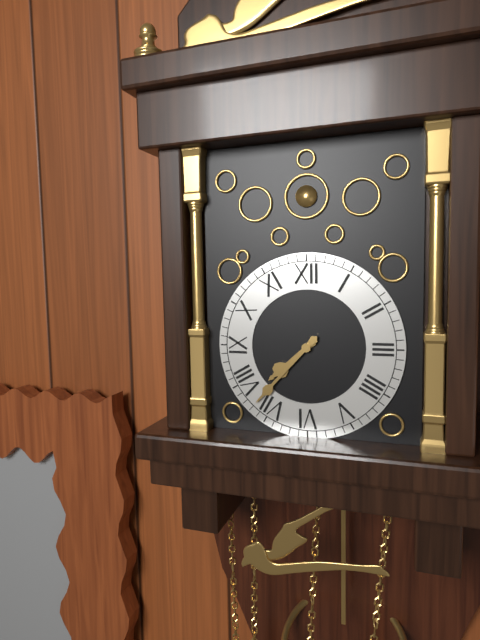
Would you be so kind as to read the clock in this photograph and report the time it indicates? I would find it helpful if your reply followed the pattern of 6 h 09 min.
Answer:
7 h 37 min
